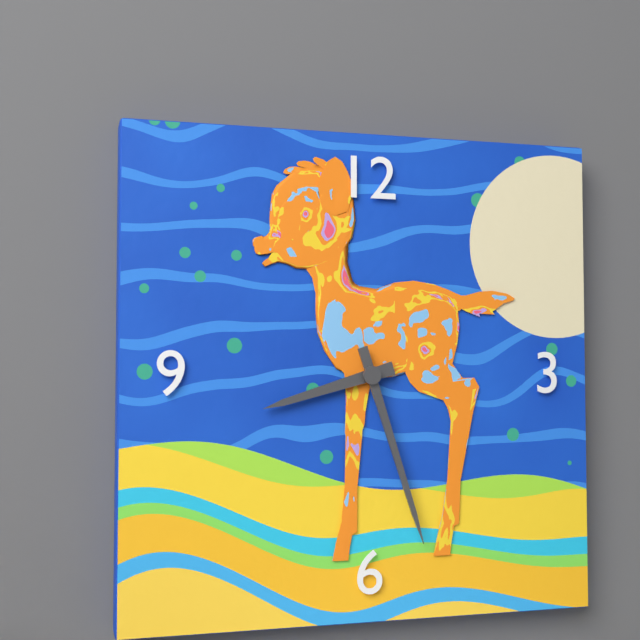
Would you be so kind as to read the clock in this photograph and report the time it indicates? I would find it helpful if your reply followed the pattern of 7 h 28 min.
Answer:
8 h 27 min
